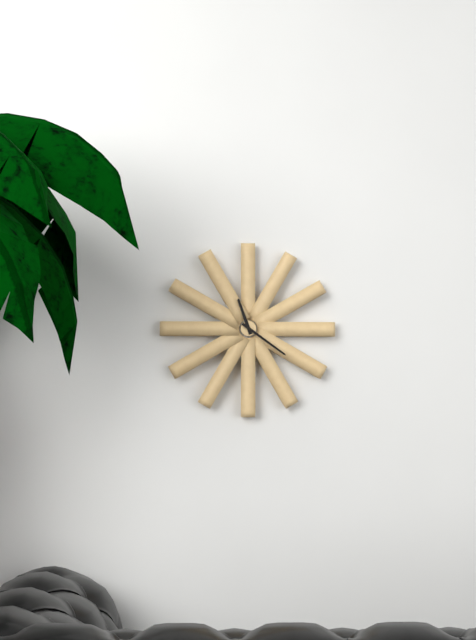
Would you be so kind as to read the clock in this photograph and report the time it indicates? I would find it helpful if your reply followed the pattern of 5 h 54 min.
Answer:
11 h 21 min
